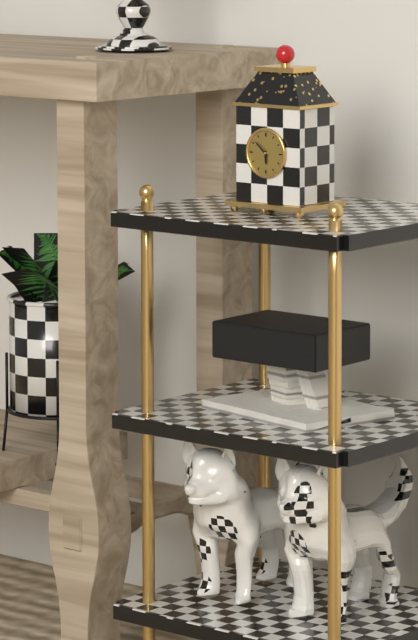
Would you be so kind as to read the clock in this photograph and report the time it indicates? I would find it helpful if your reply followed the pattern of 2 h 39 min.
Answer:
5 h 52 min
